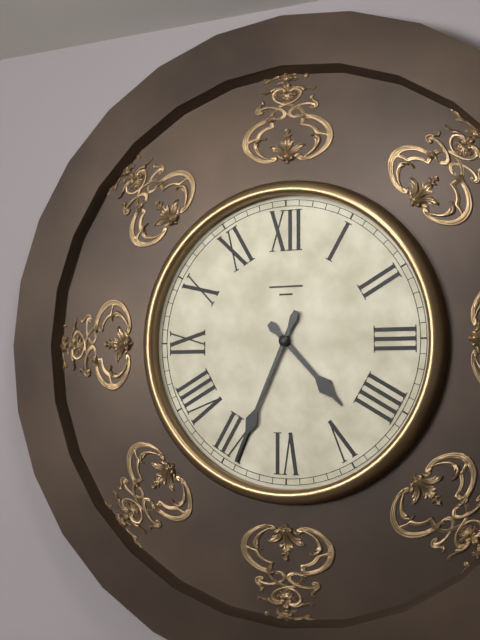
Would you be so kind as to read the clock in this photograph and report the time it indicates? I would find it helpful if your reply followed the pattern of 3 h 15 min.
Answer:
4 h 34 min
